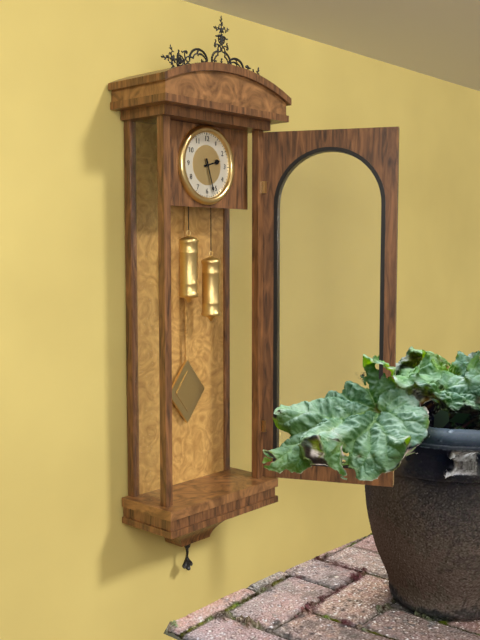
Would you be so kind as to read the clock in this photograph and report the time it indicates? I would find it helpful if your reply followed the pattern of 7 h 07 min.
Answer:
2 h 27 min
